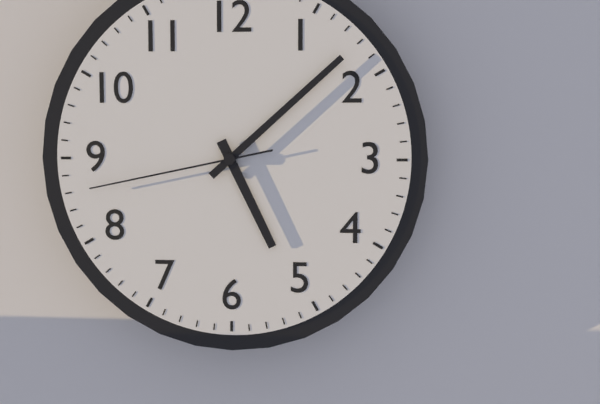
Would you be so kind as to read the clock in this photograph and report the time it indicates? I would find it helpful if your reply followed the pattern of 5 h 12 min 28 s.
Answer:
5 h 08 min 43 s
